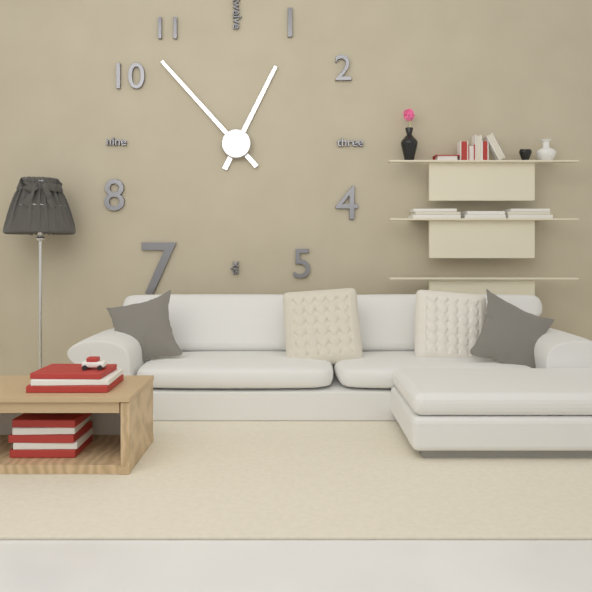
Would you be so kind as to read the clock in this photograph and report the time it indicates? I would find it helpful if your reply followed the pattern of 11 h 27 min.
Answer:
12 h 53 min
